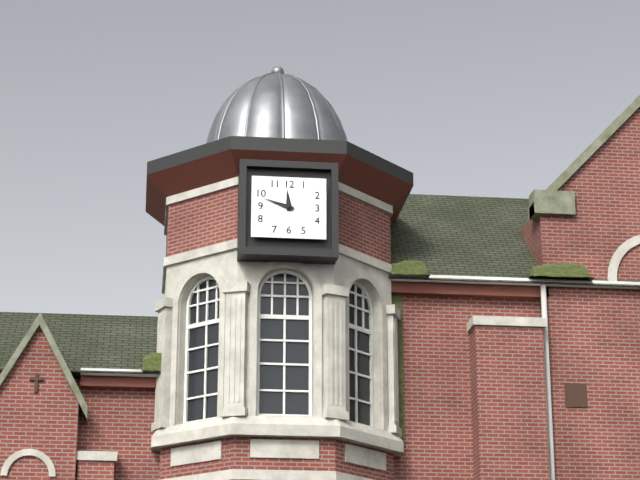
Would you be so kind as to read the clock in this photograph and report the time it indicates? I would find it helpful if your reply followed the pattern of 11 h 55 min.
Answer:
11 h 48 min
